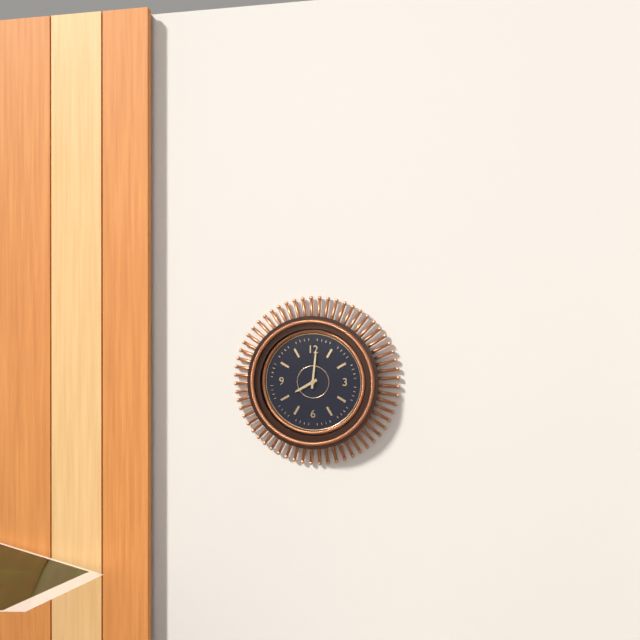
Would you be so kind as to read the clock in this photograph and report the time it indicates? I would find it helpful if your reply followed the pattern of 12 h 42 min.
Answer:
8 h 01 min
